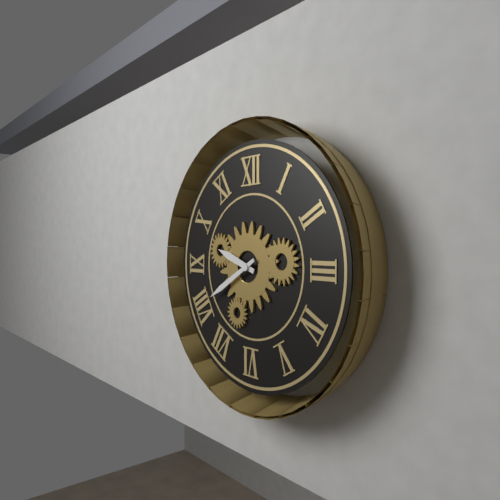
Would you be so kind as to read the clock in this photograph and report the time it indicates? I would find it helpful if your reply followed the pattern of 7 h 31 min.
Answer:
9 h 40 min
